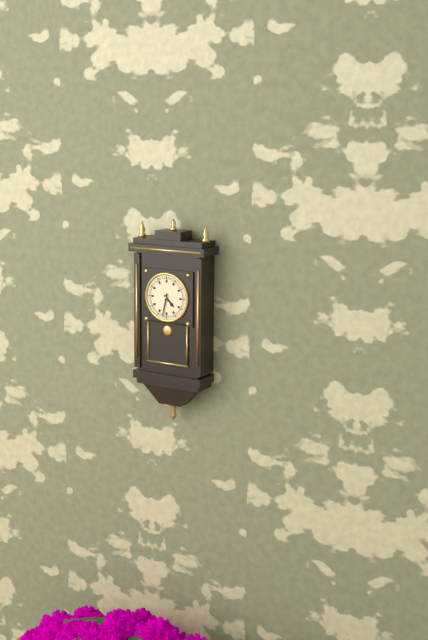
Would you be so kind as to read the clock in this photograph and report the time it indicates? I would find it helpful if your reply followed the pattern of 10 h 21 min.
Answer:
4 h 32 min
